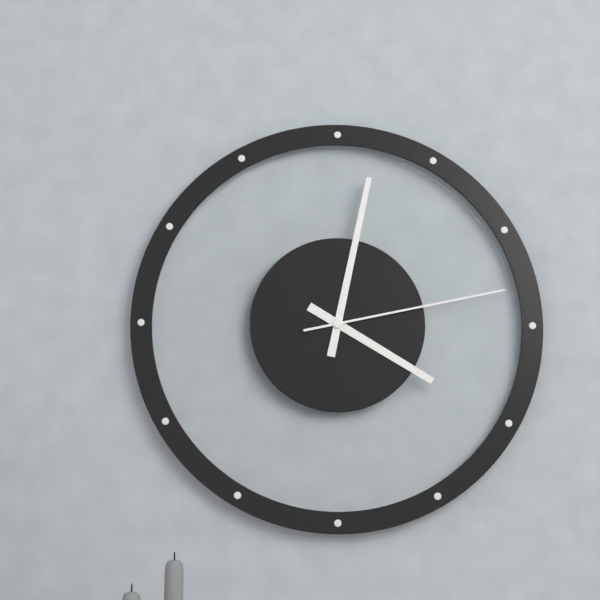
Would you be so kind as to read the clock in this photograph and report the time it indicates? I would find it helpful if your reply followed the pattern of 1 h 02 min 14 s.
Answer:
4 h 02 min 13 s
